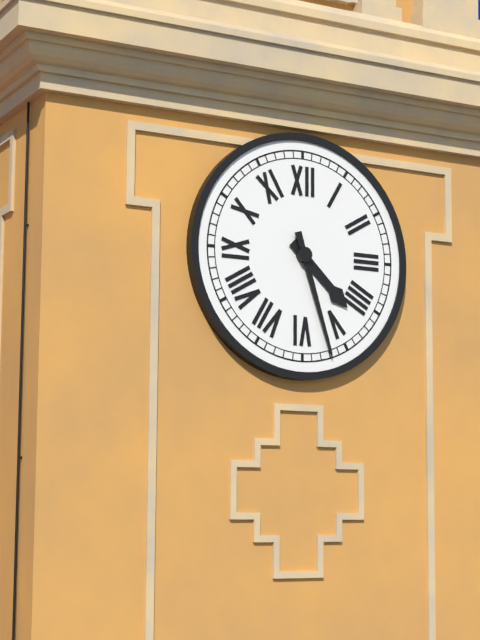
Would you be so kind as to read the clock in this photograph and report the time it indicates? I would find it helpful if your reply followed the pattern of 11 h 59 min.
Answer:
4 h 27 min
